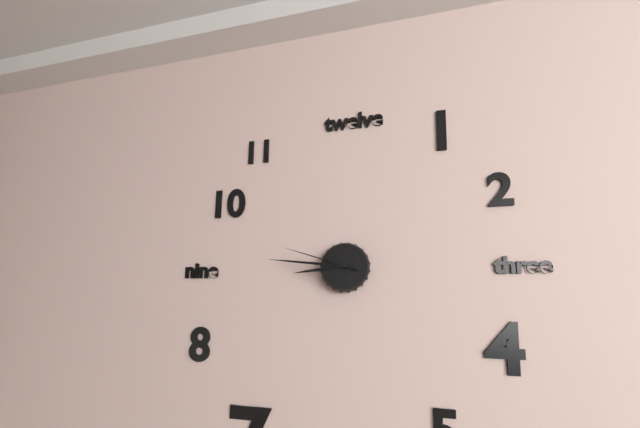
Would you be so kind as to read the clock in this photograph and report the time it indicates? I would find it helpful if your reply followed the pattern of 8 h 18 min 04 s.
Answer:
8 h 46 min 48 s
